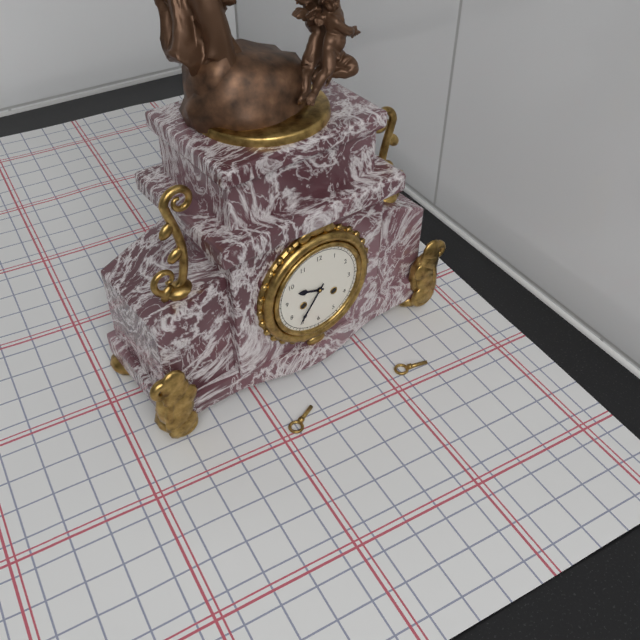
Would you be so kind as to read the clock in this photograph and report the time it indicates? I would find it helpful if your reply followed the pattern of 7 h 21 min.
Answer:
9 h 36 min
